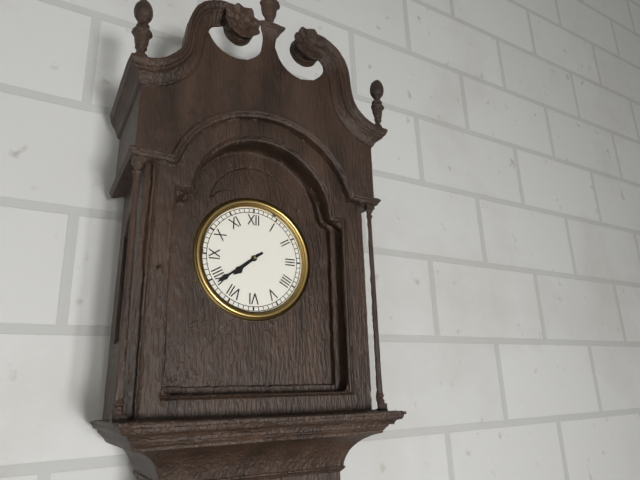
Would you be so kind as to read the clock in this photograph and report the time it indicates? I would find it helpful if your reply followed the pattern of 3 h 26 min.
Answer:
7 h 39 min
